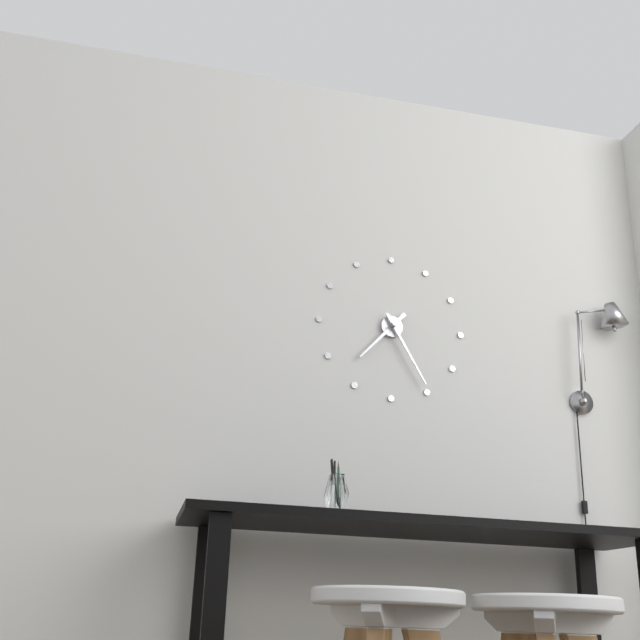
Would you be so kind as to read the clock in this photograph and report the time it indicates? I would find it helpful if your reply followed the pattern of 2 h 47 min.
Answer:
7 h 25 min
